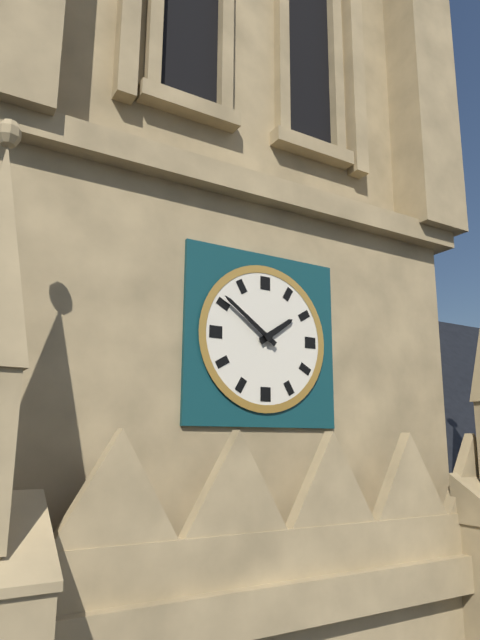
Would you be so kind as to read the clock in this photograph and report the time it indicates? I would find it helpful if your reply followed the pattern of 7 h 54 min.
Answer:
1 h 51 min
